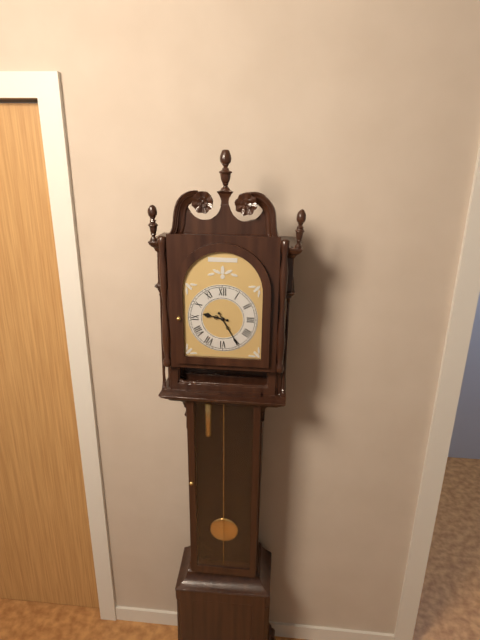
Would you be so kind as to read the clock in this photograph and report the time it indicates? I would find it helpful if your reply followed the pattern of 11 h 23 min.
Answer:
9 h 25 min
